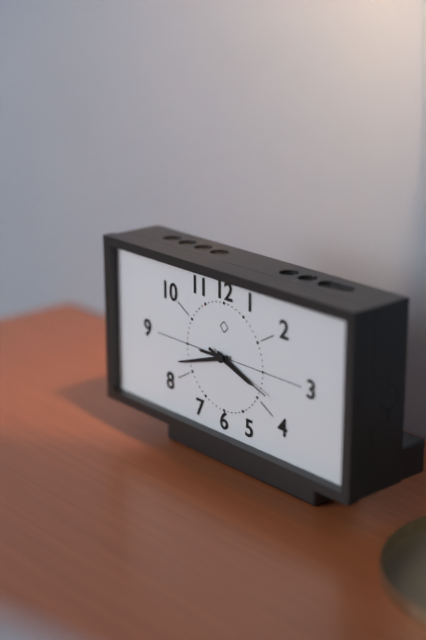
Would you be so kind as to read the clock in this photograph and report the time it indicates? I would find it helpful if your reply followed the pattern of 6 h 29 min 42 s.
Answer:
3 h 42 min 18 s
